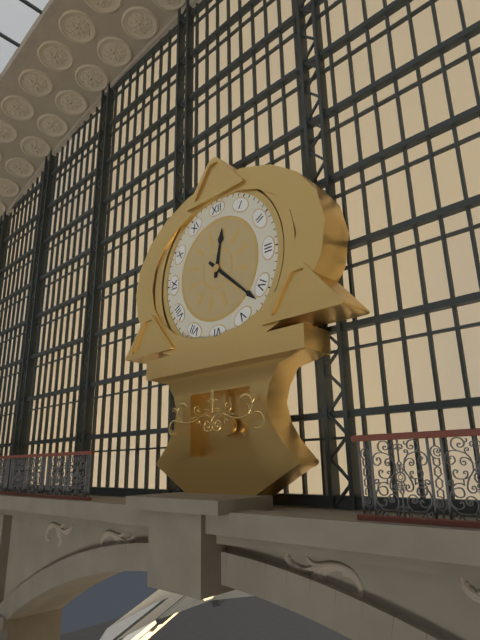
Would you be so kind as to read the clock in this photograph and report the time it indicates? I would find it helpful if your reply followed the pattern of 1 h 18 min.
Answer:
12 h 22 min
